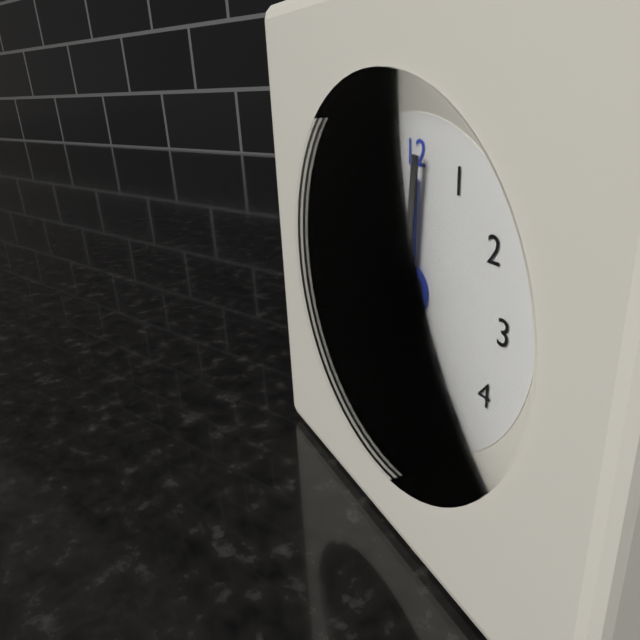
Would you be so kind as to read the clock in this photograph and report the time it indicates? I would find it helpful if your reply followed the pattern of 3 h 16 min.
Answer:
6 h 01 min
